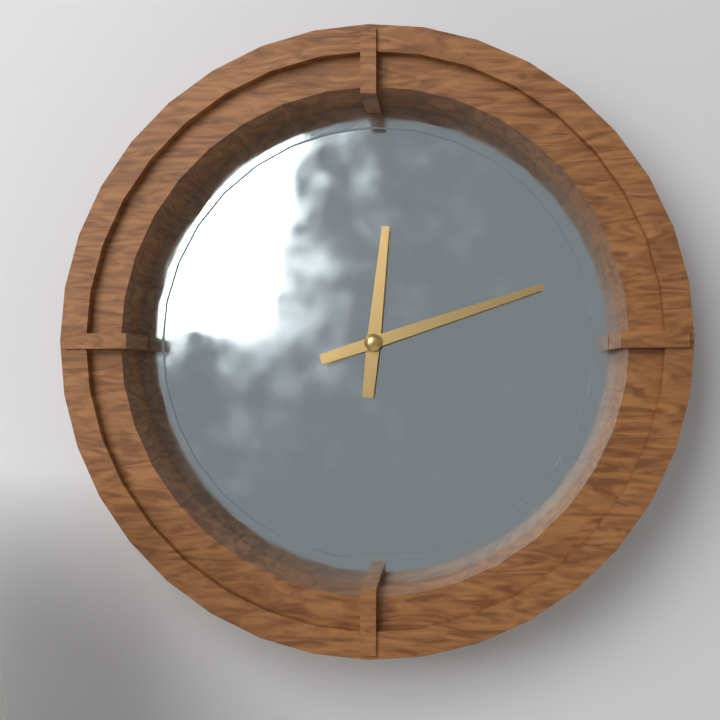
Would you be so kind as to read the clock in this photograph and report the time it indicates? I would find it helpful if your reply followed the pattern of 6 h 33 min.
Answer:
12 h 12 min
